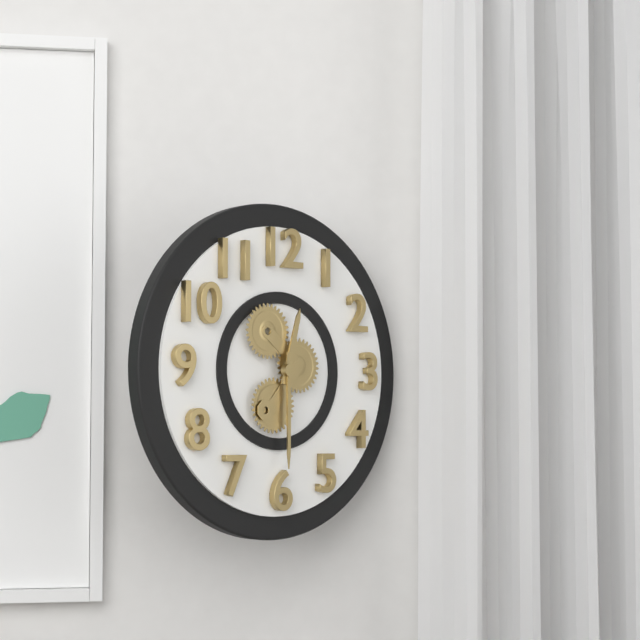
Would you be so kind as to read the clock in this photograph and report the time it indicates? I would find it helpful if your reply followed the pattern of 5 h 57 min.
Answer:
12 h 30 min
